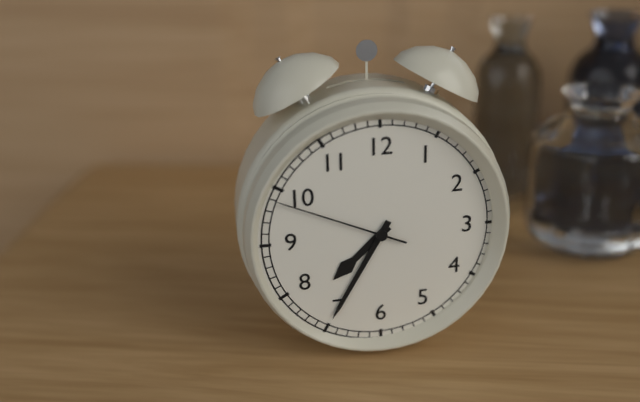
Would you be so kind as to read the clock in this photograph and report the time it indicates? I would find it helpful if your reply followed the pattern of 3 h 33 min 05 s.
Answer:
7 h 35 min 49 s
